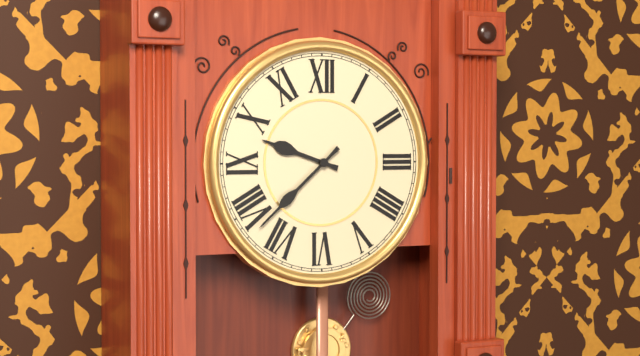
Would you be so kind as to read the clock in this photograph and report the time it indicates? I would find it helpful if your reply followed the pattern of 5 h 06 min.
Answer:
9 h 38 min
